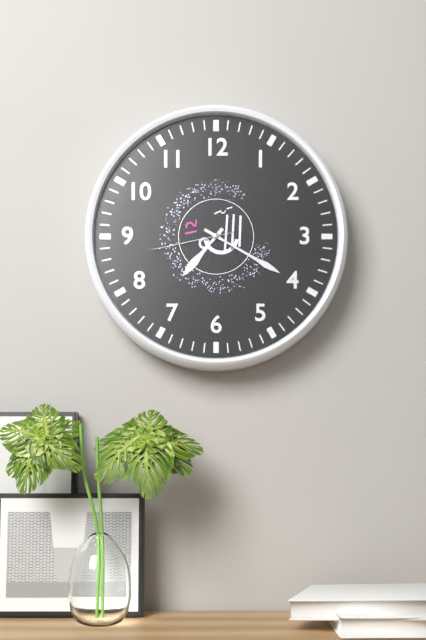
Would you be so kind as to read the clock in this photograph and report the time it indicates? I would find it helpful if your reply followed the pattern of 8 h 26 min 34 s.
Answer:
7 h 20 min 43 s
